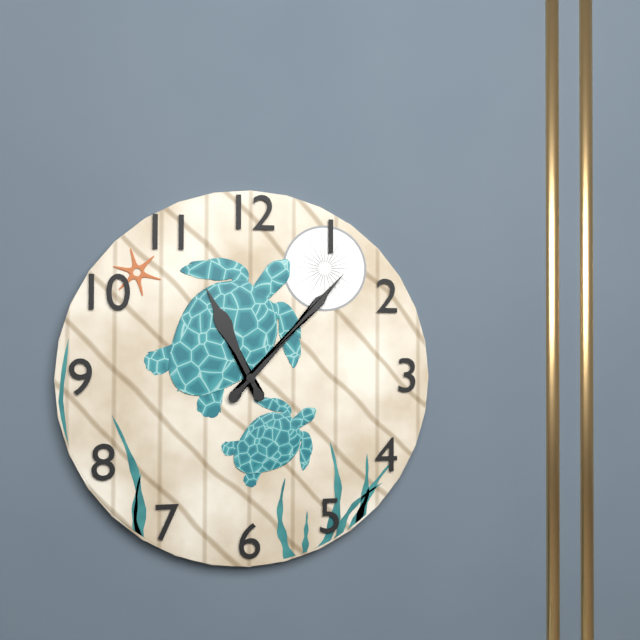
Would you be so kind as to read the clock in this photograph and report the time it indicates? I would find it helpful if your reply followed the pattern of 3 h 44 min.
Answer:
11 h 07 min
